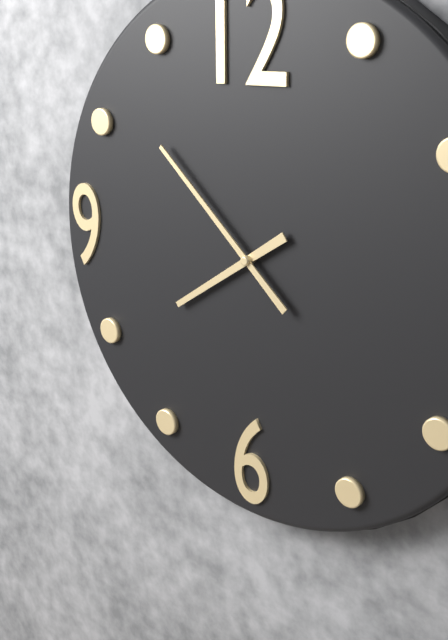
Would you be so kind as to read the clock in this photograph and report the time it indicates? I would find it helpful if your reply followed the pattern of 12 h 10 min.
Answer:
7 h 52 min
